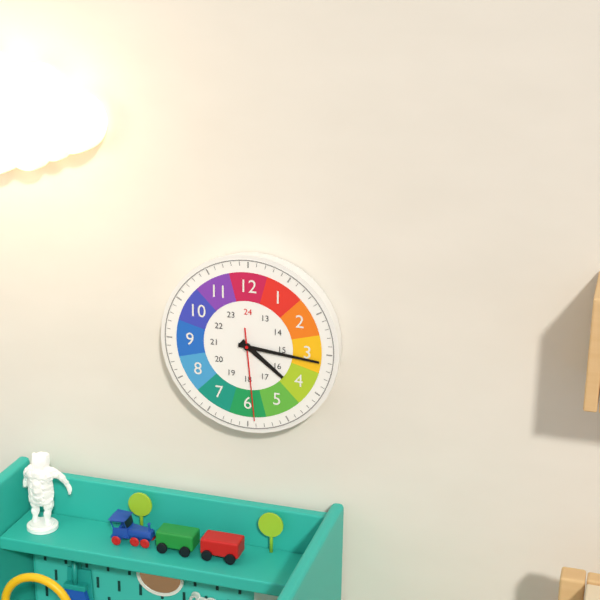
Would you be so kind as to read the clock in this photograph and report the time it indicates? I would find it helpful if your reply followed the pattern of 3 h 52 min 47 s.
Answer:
4 h 16 min 29 s
